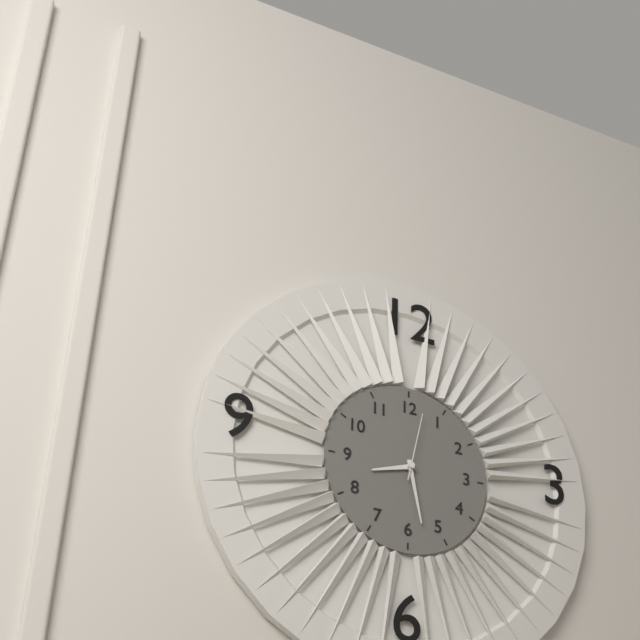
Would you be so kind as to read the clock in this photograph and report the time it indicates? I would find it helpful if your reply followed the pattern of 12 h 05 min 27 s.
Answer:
8 h 28 min 02 s
